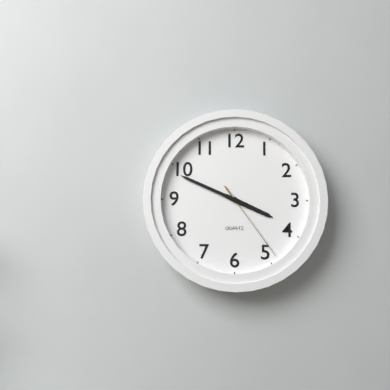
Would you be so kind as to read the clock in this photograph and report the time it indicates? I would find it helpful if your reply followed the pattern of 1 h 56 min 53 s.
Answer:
3 h 49 min 24 s
